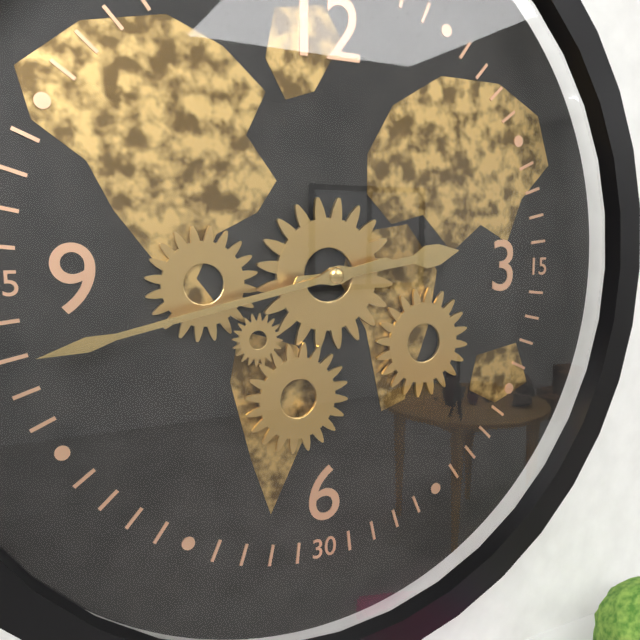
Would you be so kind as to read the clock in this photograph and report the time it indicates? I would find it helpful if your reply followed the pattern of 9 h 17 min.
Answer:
2 h 43 min
